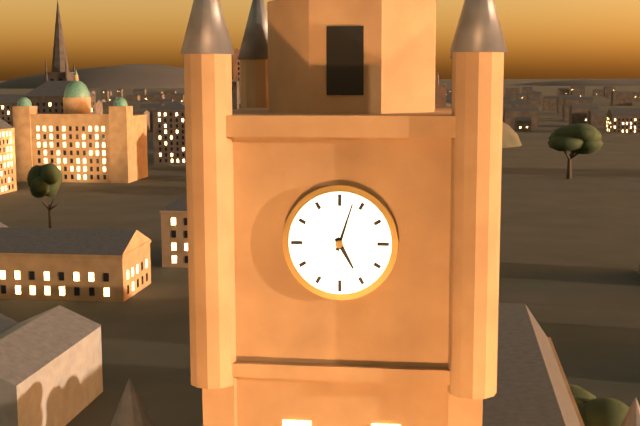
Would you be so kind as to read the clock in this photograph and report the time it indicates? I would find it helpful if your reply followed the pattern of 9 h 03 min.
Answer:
5 h 03 min
